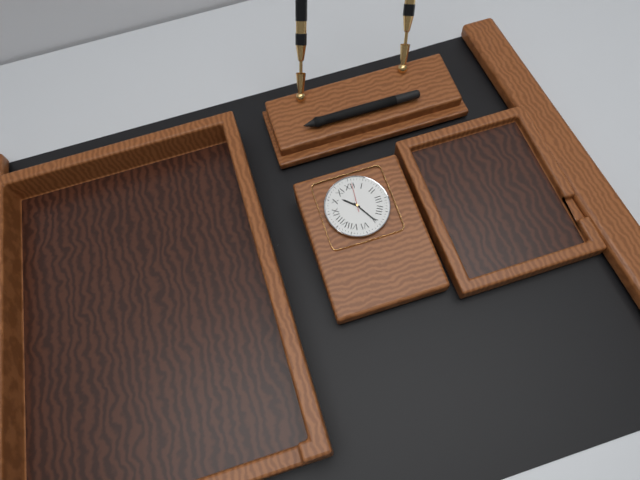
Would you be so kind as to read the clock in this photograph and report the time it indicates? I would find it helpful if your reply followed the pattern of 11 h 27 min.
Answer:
10 h 25 min
